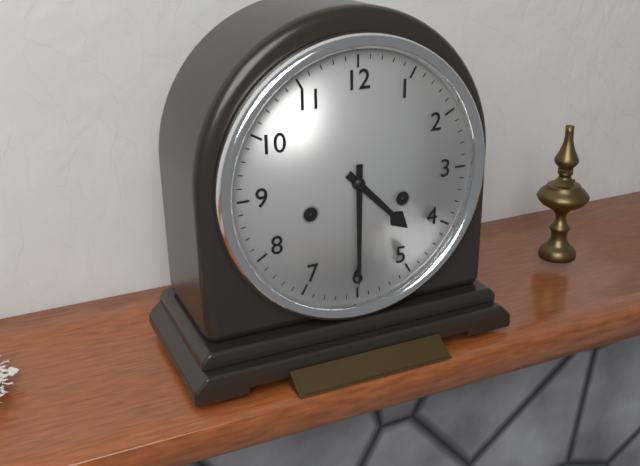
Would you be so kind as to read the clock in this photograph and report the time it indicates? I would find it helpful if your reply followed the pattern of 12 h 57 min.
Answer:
4 h 30 min
